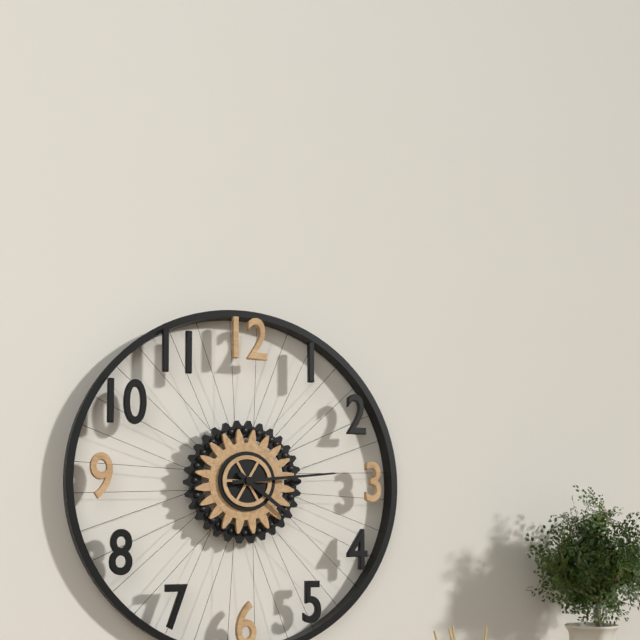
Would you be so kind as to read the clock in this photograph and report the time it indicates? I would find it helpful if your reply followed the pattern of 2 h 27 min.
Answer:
4 h 14 min
